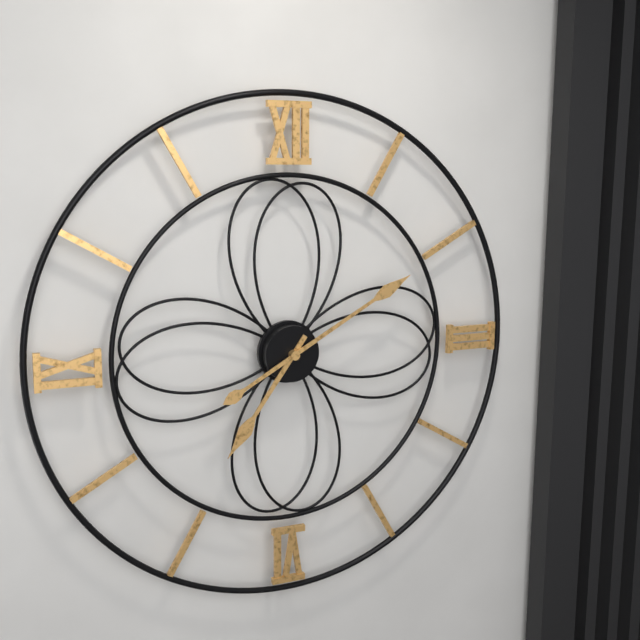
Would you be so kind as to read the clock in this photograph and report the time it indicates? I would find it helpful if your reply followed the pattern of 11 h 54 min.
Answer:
7 h 10 min
